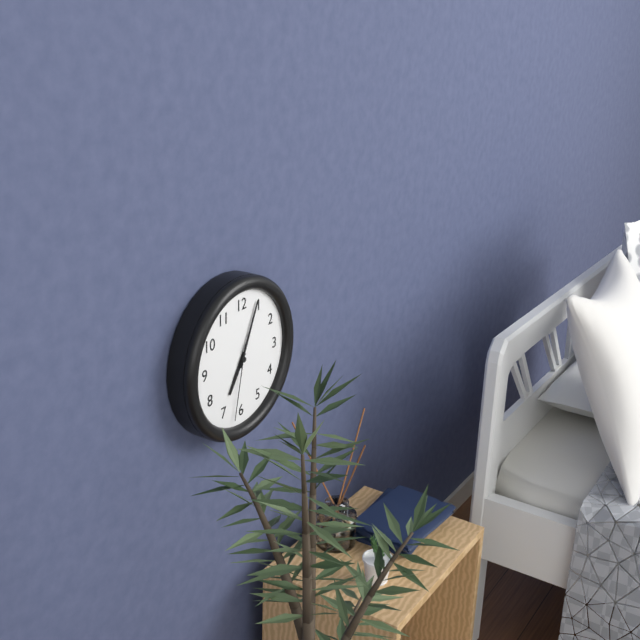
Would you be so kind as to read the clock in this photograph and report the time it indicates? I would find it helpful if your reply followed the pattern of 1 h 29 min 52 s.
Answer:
7 h 04 min 32 s
